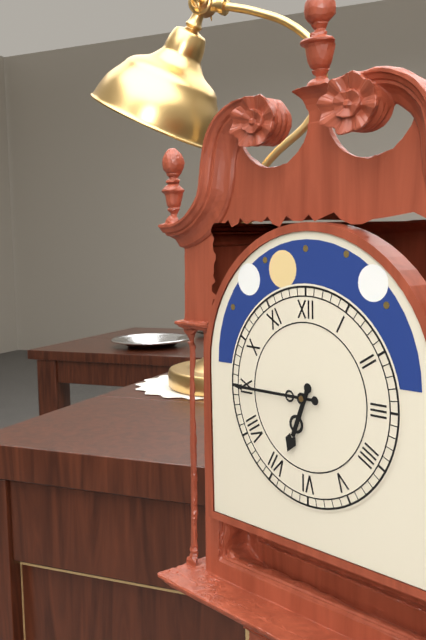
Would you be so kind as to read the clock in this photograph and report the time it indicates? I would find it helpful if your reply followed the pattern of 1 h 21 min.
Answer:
6 h 45 min
